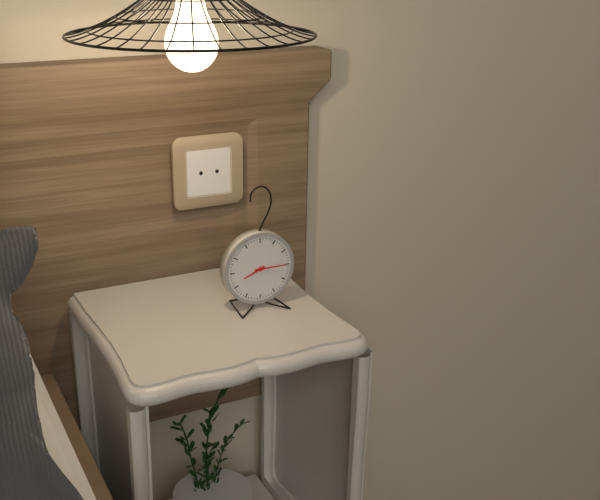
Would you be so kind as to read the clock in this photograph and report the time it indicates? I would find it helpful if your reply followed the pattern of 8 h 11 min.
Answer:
8 h 15 min
